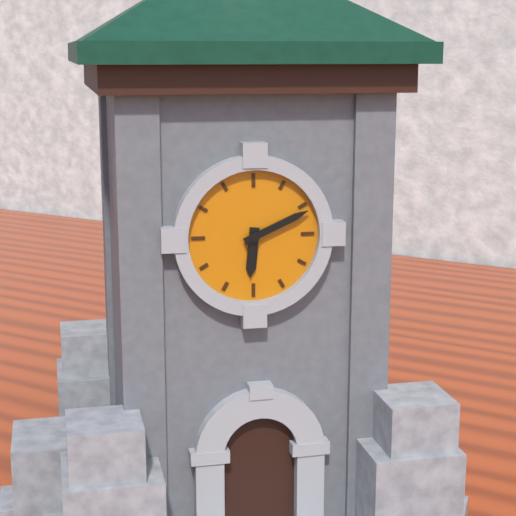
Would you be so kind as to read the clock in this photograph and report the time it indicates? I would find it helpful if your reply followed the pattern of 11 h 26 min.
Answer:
6 h 11 min
